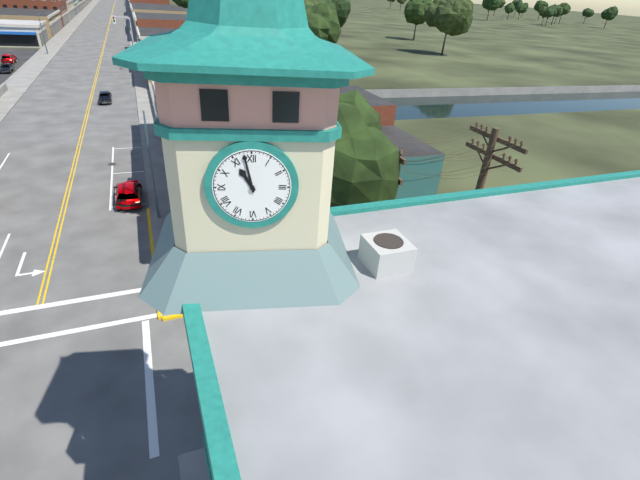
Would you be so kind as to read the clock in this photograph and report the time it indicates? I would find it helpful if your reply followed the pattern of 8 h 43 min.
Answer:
10 h 58 min
